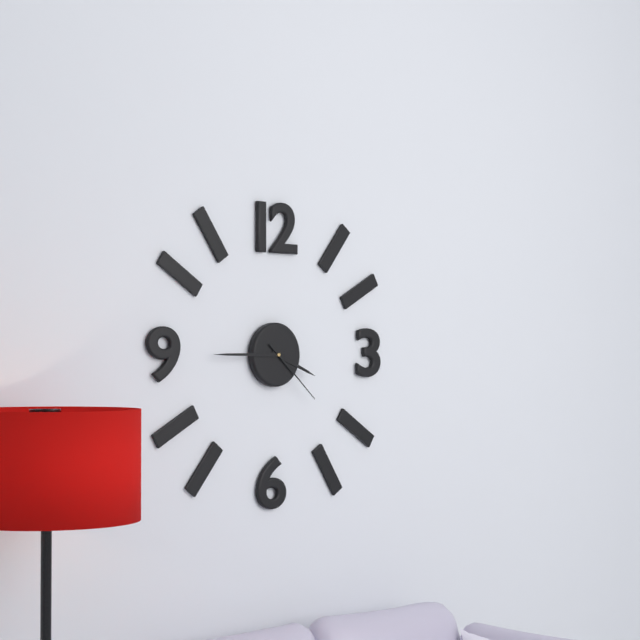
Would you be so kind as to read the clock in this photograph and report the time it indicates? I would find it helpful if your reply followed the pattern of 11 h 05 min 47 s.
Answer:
3 h 45 min 22 s
